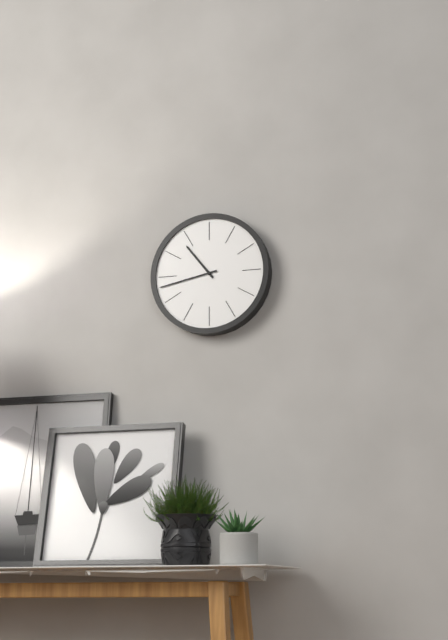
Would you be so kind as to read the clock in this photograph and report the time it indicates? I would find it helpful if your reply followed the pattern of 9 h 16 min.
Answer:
10 h 43 min
